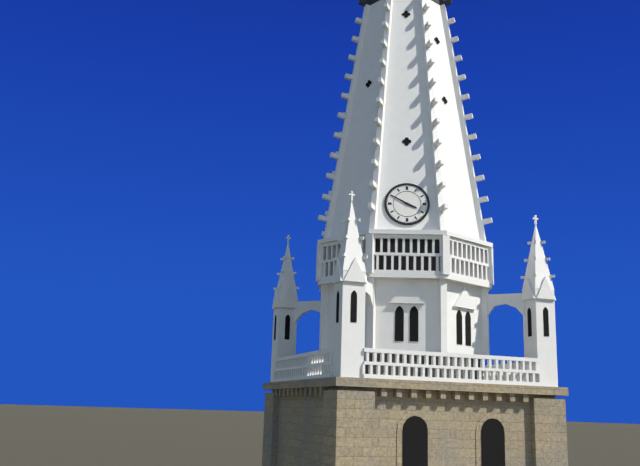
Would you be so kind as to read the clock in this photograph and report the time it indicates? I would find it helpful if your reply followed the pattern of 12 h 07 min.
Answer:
3 h 50 min
